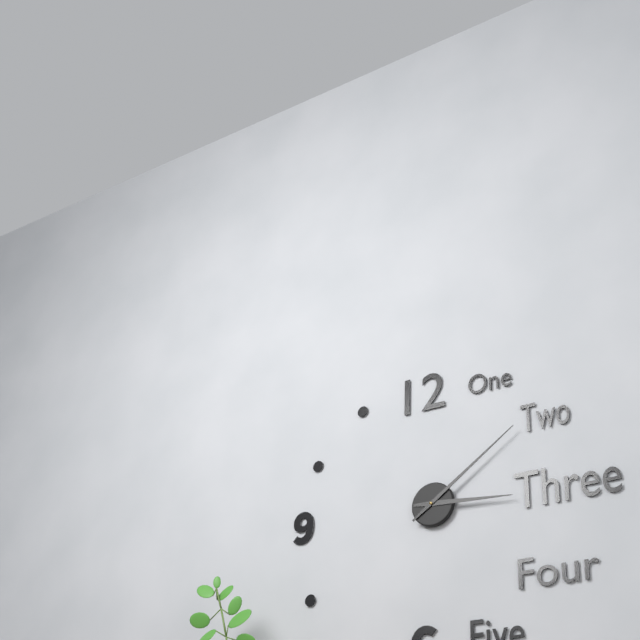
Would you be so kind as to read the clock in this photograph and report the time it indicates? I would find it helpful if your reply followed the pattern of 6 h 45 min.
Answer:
3 h 09 min
